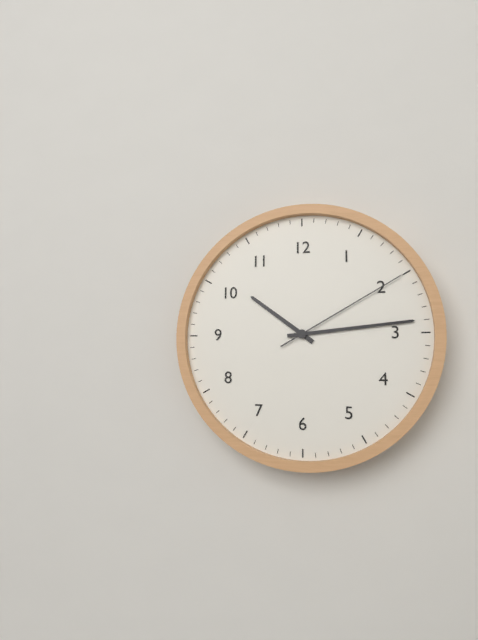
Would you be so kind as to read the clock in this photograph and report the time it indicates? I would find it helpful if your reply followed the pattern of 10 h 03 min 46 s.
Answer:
10 h 14 min 10 s
